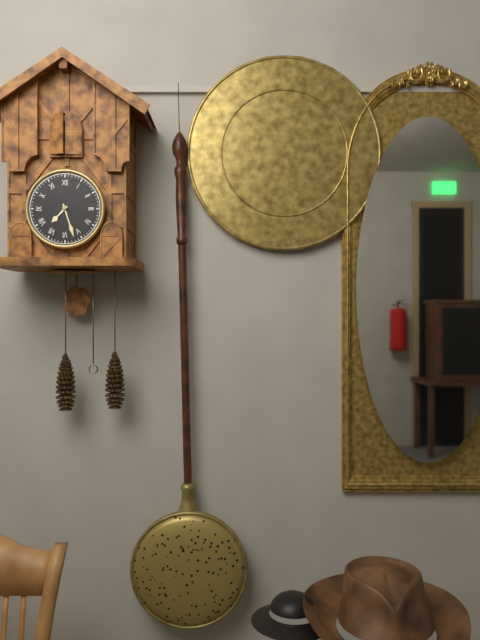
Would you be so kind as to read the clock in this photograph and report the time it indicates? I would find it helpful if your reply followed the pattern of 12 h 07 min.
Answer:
7 h 27 min
